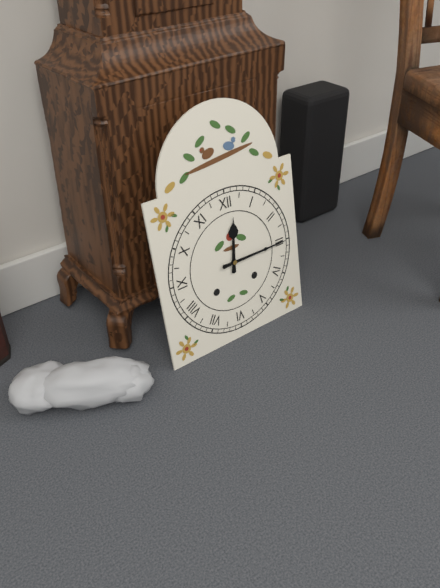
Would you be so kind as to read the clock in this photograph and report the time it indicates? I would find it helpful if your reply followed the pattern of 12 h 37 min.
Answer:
12 h 15 min
